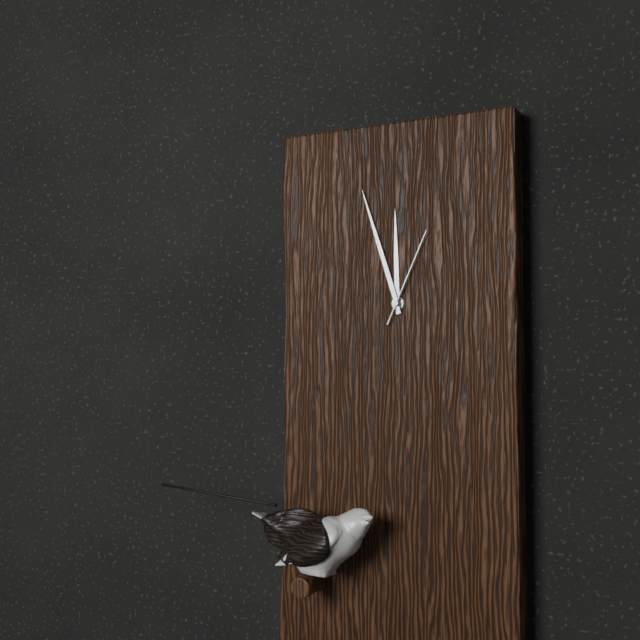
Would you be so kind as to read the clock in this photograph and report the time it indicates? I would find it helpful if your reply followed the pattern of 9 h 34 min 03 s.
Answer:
11 h 57 min 04 s
